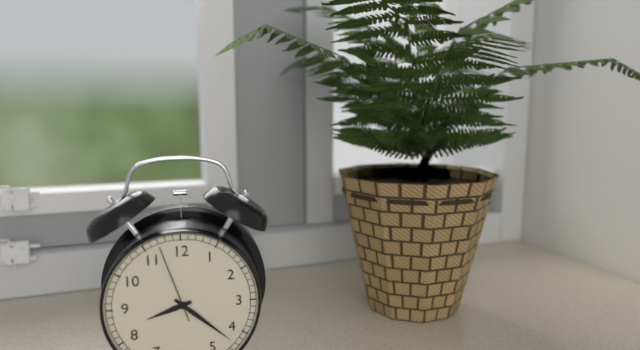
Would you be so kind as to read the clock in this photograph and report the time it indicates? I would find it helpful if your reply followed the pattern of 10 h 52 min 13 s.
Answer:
8 h 22 min 57 s
